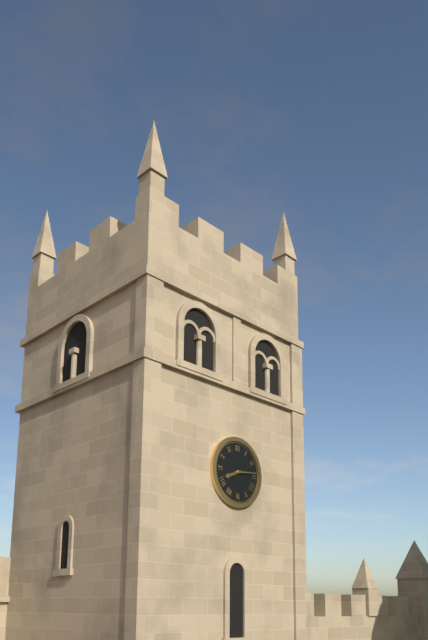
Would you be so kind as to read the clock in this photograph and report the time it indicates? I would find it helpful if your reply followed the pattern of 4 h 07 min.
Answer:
8 h 14 min
